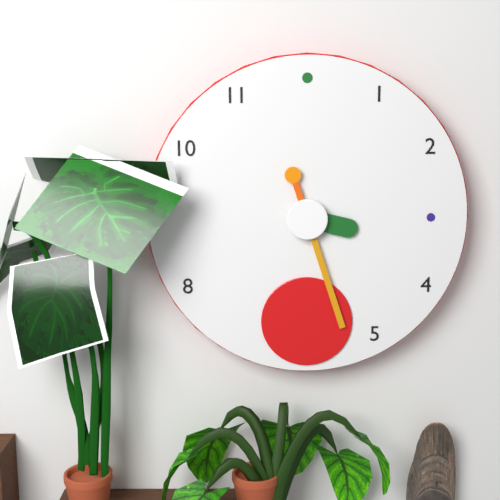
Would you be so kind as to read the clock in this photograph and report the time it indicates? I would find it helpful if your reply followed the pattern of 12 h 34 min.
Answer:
3 h 27 min
